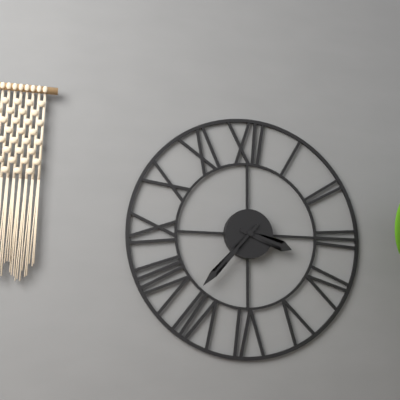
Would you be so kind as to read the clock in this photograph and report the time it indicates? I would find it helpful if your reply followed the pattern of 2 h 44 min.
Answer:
3 h 37 min
